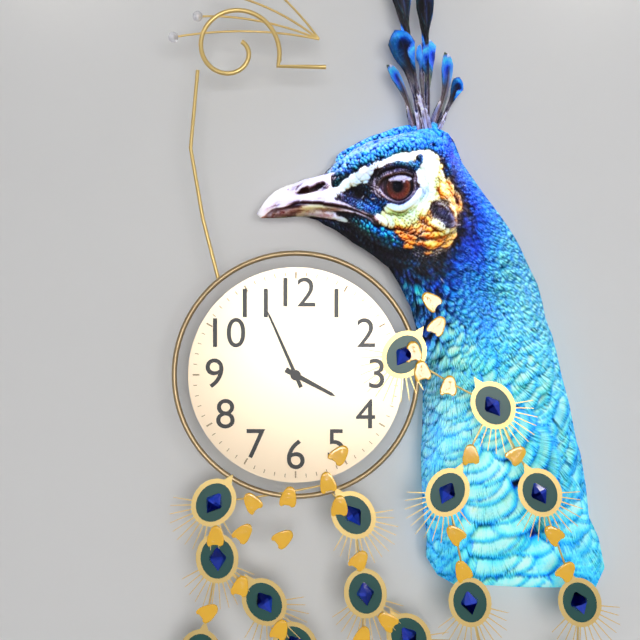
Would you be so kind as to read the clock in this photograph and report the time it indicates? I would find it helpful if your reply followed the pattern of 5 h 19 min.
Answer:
3 h 56 min
